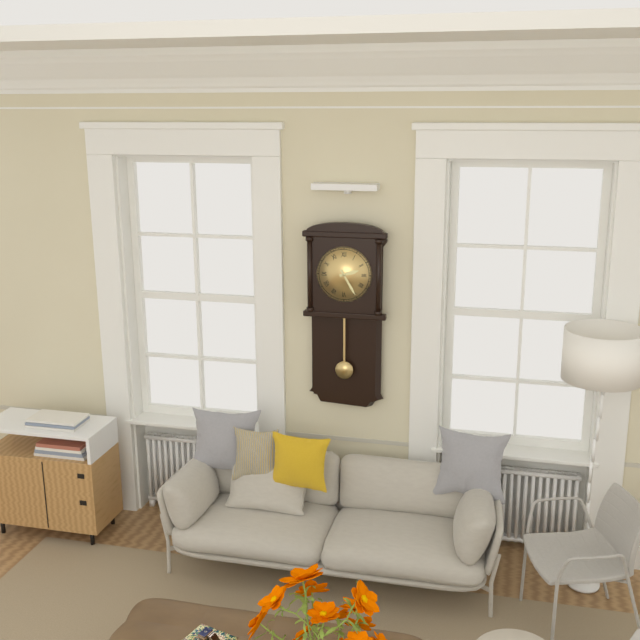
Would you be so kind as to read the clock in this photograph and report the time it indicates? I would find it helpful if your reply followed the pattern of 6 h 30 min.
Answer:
2 h 25 min
